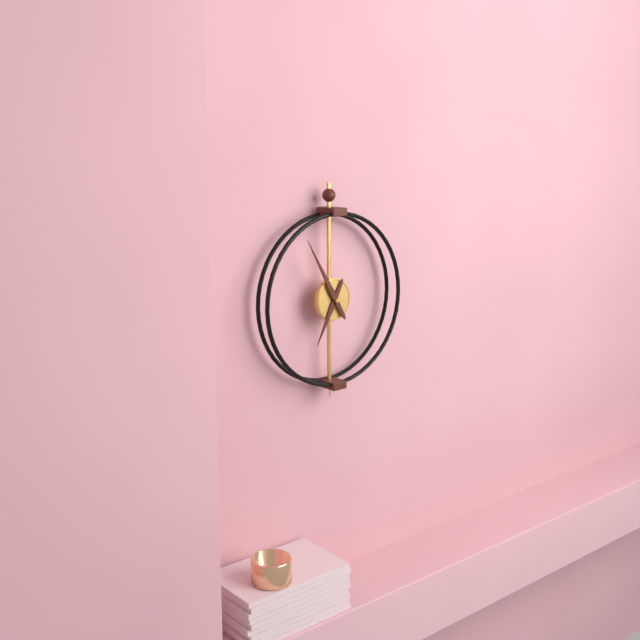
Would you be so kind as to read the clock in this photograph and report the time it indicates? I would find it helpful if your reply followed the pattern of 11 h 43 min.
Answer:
6 h 55 min
